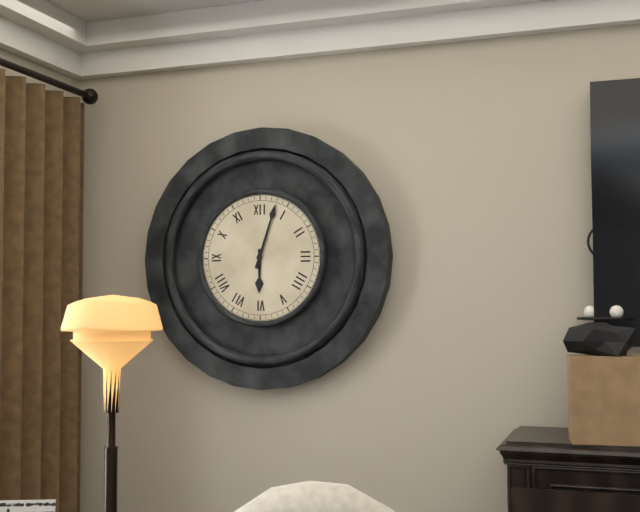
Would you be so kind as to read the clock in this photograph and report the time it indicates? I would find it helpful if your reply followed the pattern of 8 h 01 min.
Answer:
6 h 03 min
